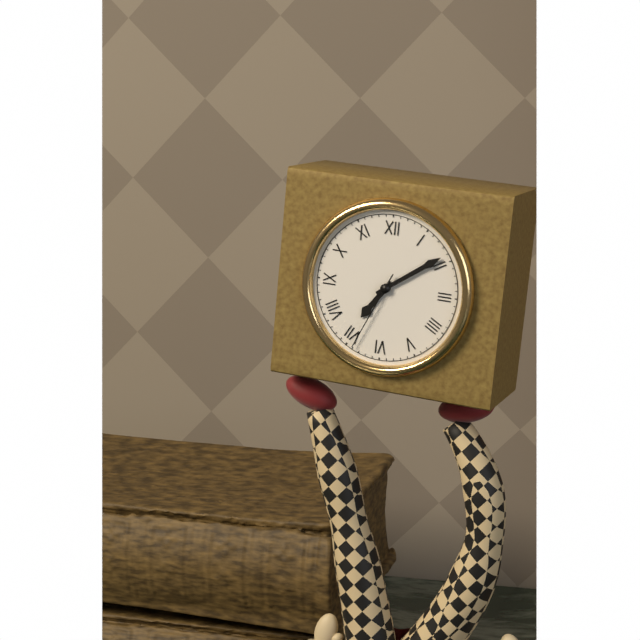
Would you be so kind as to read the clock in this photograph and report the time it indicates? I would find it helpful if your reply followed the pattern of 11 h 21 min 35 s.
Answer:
7 h 09 min 34 s
